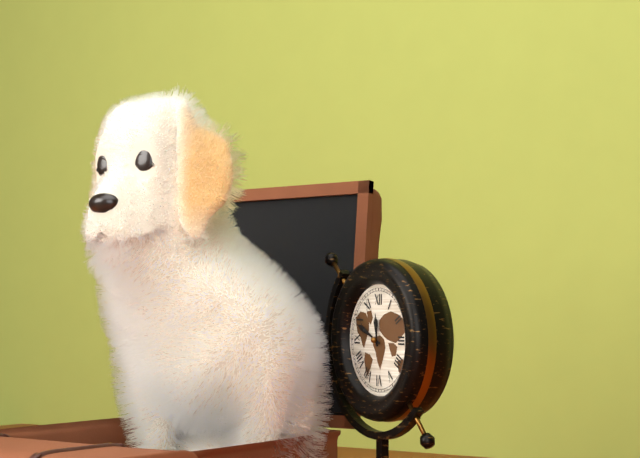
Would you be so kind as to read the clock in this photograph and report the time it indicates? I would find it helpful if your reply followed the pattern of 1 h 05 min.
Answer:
11 h 49 min
